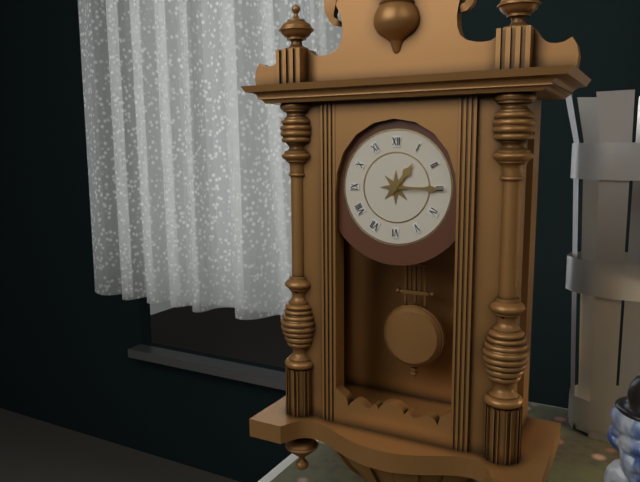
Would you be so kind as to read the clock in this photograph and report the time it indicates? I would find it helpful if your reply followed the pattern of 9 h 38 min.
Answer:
1 h 15 min
